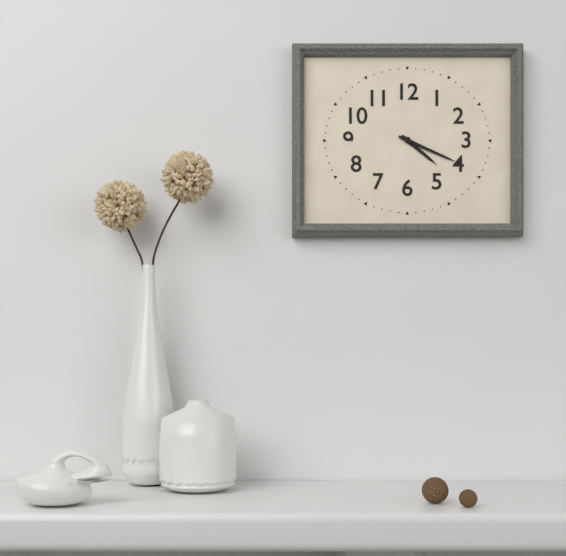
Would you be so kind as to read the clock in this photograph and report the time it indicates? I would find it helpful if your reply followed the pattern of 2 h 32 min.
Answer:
4 h 19 min
